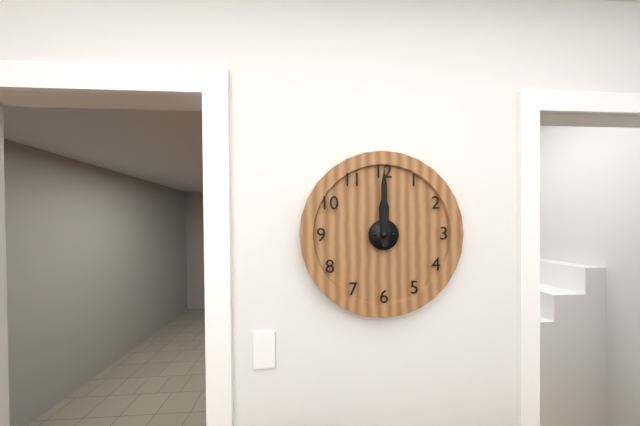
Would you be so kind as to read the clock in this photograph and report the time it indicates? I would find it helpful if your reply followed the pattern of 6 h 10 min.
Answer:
12 h 00 min
